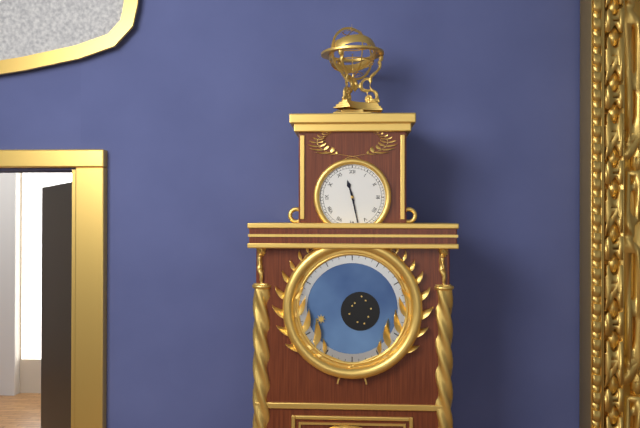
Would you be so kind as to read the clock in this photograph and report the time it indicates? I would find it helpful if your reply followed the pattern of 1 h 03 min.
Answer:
11 h 28 min
